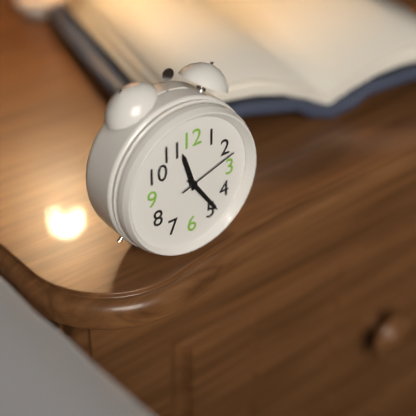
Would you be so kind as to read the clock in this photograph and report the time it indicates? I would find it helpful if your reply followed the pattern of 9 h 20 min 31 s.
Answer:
11 h 24 min 12 s
